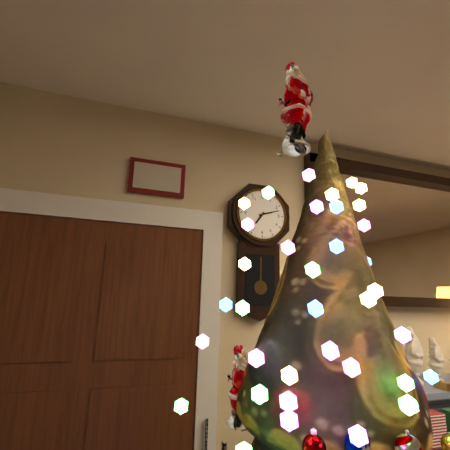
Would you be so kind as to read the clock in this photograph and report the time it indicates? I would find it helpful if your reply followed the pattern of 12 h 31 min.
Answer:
7 h 12 min
